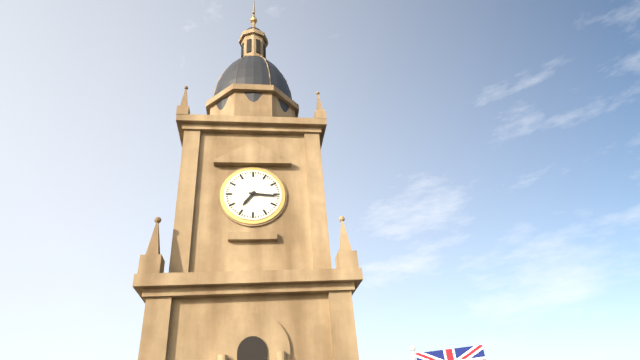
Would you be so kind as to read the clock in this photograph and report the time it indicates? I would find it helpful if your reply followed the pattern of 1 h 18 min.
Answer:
7 h 16 min
